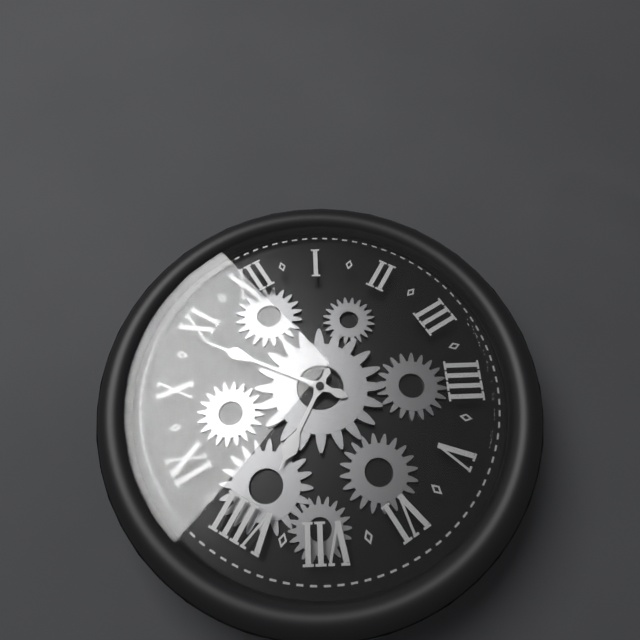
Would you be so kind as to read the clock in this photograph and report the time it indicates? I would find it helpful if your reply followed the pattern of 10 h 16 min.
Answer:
7 h 54 min
